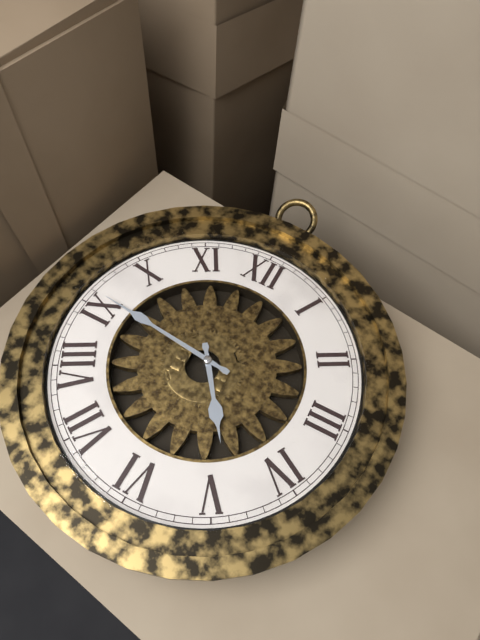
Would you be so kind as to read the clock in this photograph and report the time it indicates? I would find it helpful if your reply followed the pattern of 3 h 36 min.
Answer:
4 h 46 min
